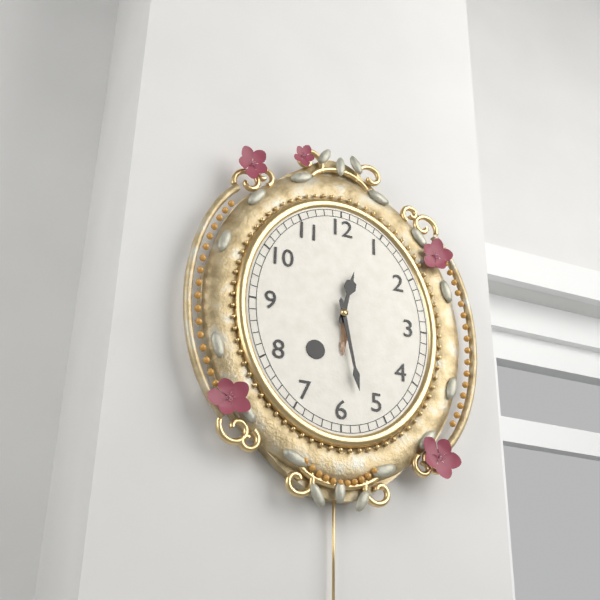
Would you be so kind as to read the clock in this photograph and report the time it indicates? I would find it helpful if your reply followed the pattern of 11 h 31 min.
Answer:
12 h 28 min
